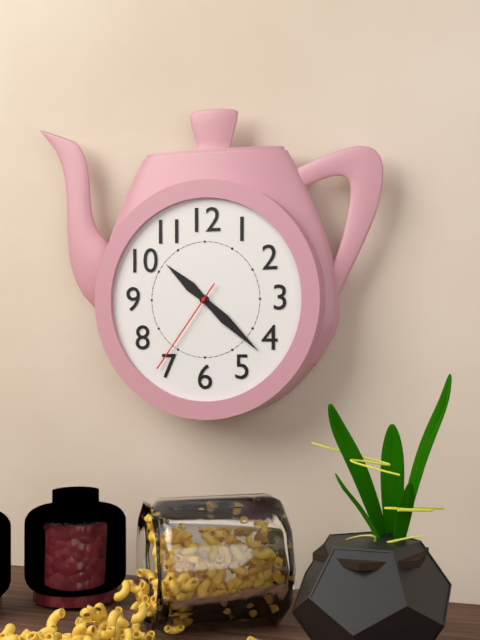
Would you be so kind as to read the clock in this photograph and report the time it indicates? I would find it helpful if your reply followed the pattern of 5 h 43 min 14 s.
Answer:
10 h 22 min 36 s
